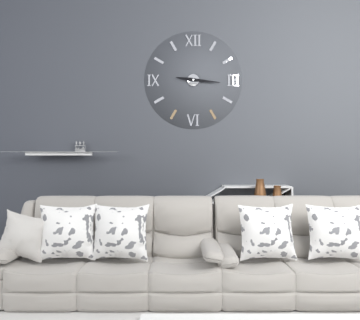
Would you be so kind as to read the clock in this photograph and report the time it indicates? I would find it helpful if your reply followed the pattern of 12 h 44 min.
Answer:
9 h 16 min
